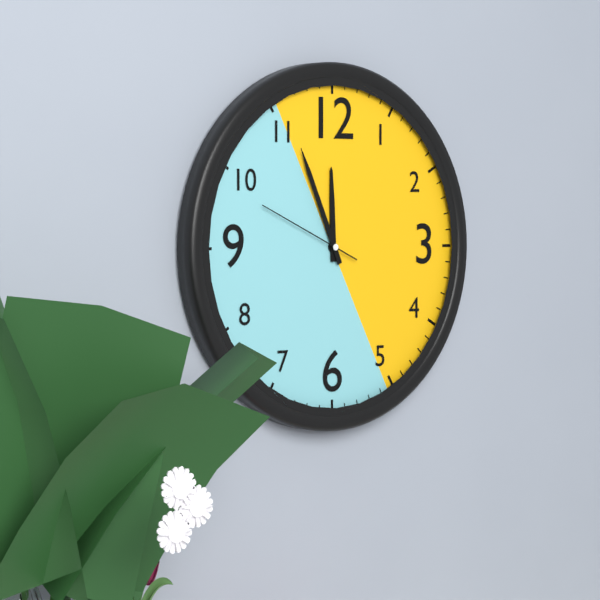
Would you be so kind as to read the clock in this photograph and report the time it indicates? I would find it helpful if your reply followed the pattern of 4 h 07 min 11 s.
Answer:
11 h 56 min 49 s
